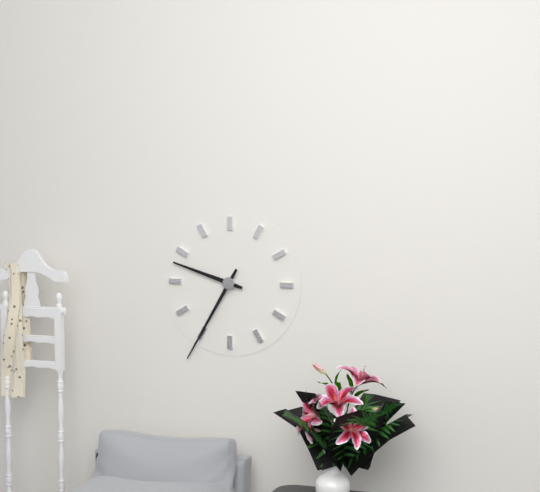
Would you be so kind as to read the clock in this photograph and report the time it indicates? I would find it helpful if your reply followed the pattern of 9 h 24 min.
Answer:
9 h 35 min
